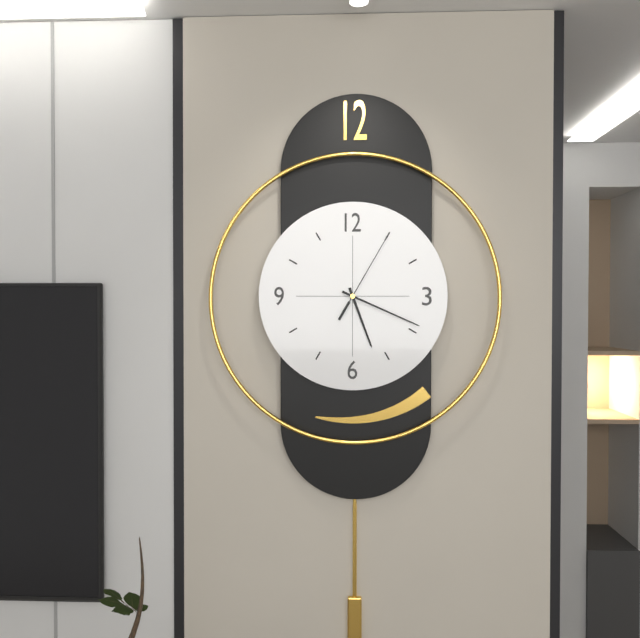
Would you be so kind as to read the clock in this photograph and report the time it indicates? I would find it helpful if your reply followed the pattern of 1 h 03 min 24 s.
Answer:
5 h 19 min 05 s
